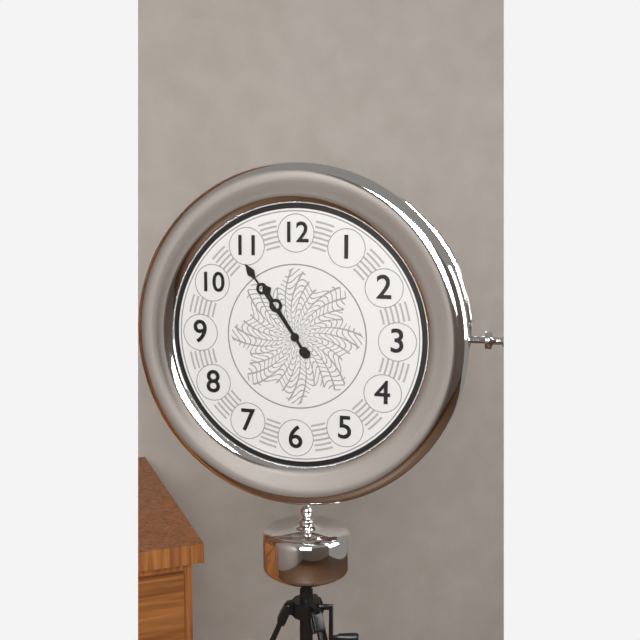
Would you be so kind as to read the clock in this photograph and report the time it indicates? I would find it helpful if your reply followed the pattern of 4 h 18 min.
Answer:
10 h 54 min
